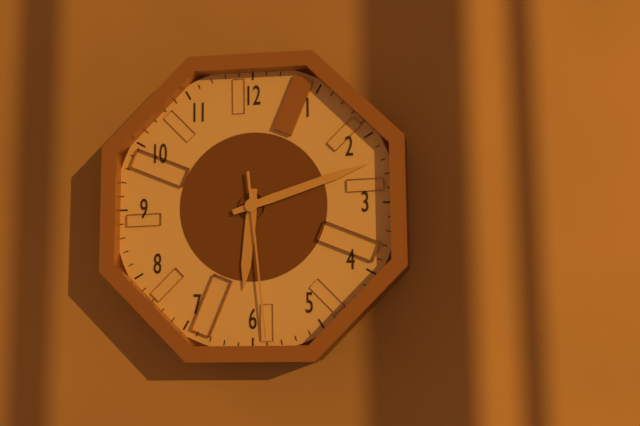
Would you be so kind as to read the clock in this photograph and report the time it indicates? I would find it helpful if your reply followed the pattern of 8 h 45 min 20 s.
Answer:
6 h 12 min 29 s
